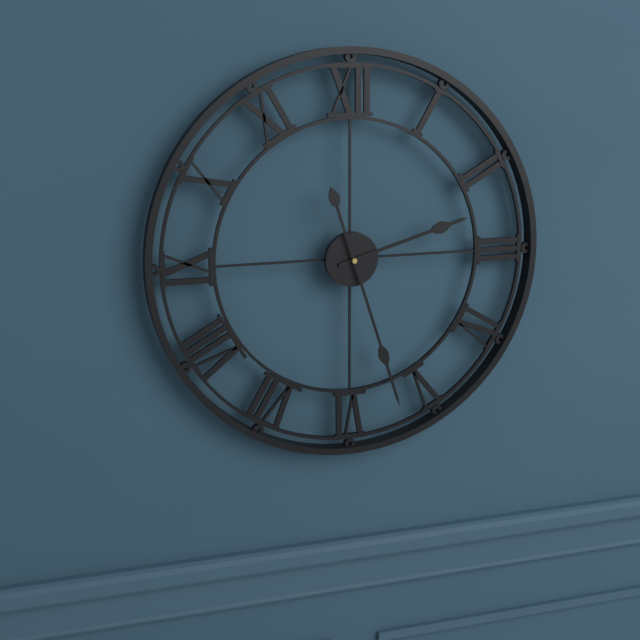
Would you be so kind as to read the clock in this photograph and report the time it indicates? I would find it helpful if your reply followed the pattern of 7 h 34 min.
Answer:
2 h 27 min
